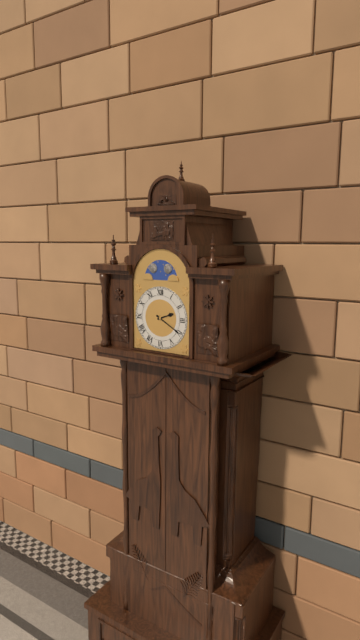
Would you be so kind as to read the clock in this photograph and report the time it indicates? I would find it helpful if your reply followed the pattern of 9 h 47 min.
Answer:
2 h 20 min
